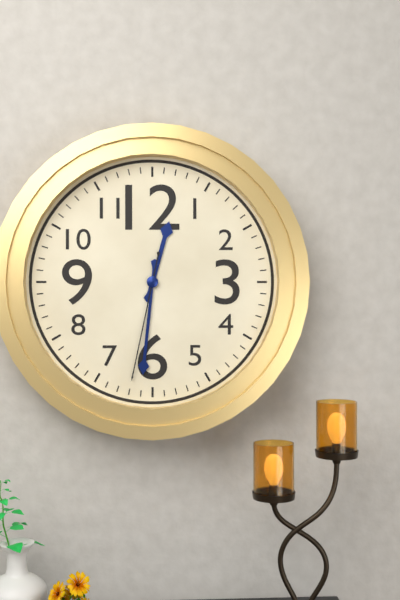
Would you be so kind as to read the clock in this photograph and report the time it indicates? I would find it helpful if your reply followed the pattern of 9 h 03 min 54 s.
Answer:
12 h 31 min 32 s
